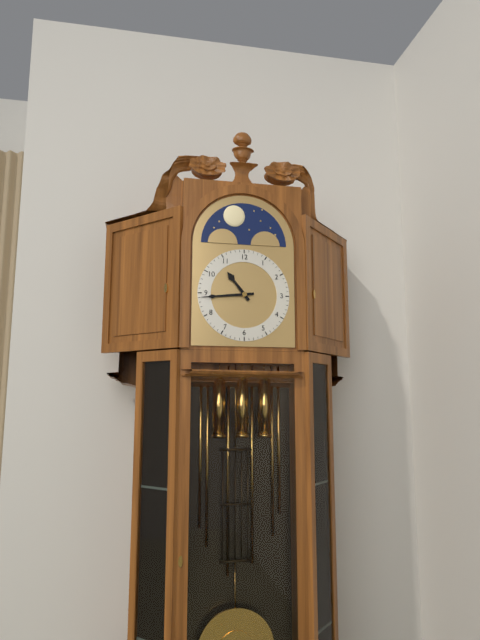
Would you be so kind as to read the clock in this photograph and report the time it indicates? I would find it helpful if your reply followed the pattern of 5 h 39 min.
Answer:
10 h 44 min
